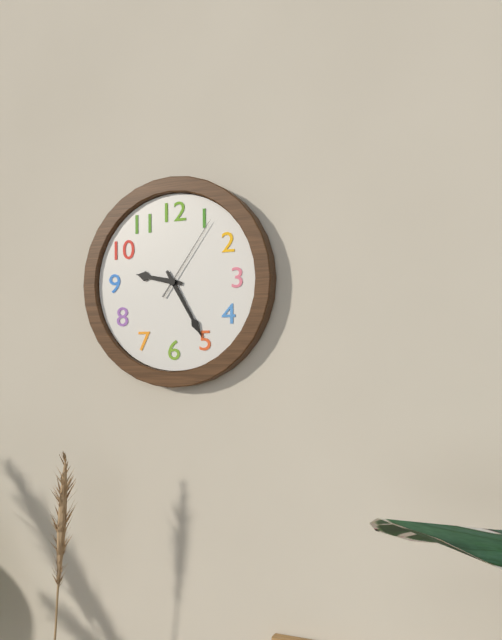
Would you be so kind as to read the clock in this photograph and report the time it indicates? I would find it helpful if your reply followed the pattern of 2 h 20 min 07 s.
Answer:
9 h 25 min 06 s
